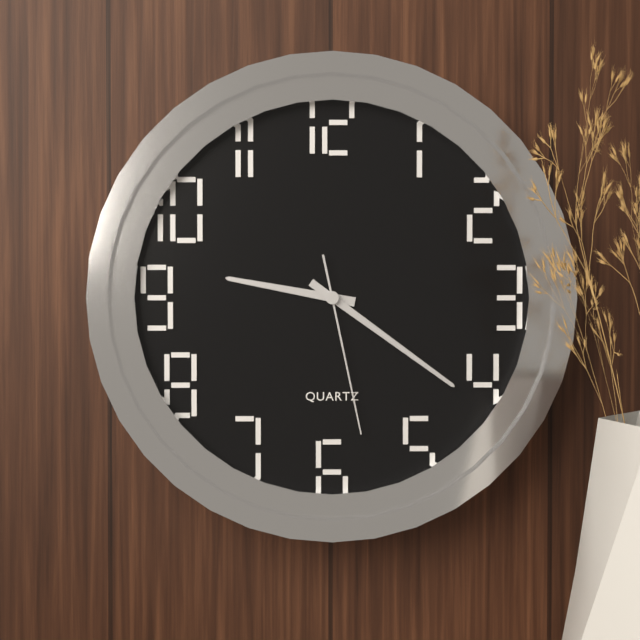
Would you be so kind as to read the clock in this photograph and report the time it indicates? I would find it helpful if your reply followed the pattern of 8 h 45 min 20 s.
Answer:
9 h 21 min 28 s
